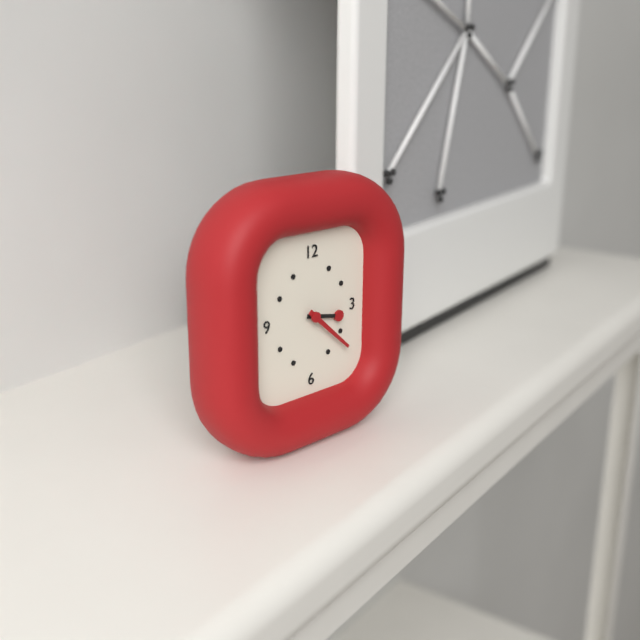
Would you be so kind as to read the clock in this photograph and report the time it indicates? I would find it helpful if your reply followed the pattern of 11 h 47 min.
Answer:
3 h 22 min
